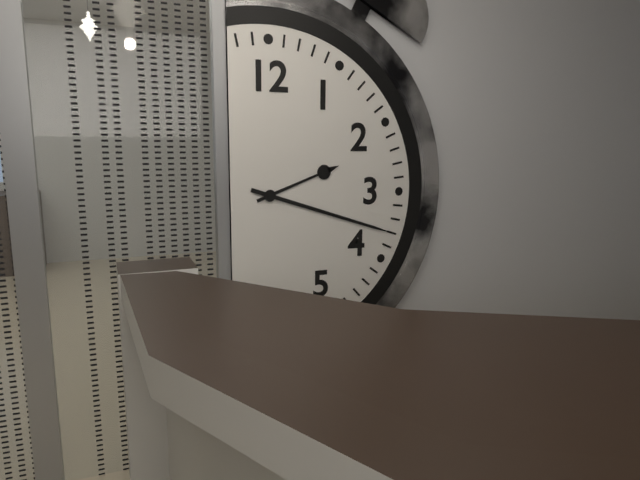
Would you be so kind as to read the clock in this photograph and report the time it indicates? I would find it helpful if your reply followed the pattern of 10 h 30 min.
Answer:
2 h 18 min
